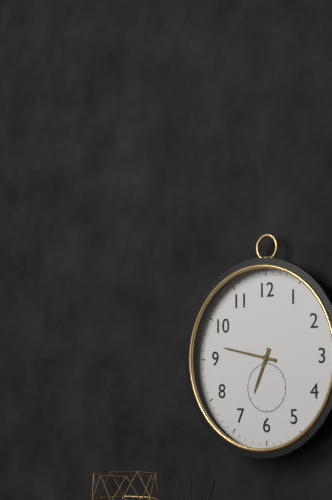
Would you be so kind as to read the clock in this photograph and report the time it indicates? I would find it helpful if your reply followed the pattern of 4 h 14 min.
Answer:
6 h 47 min
